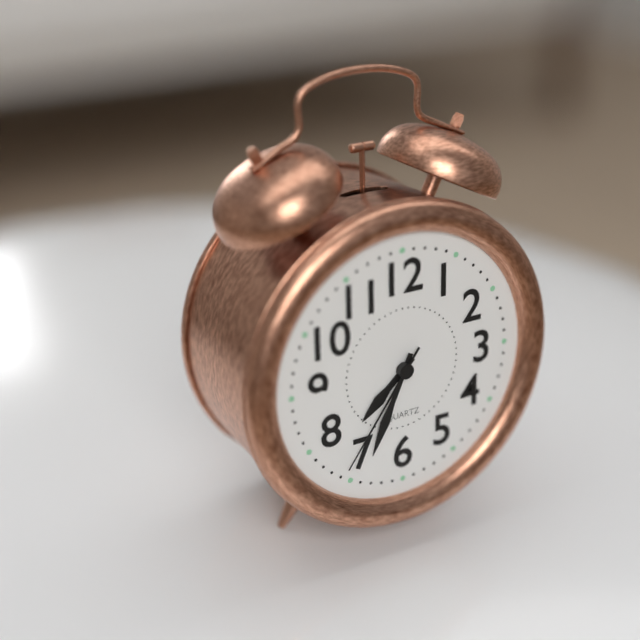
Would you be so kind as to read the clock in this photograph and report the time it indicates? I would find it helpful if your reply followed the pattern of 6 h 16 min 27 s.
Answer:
7 h 34 min 36 s
